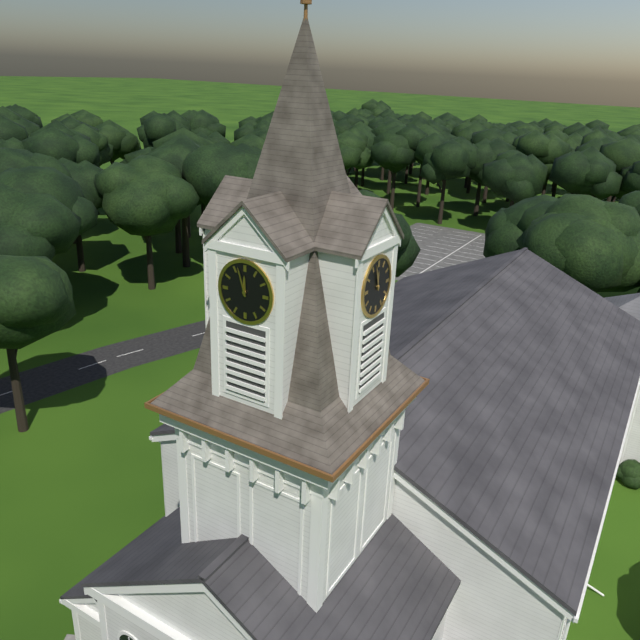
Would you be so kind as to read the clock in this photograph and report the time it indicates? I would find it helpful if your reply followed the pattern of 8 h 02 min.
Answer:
11 h 57 min
